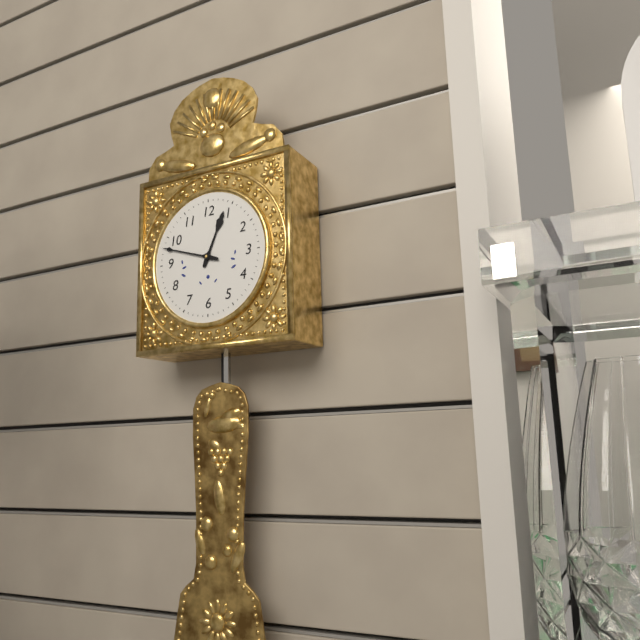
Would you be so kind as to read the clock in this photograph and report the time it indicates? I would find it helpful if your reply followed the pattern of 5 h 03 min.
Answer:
12 h 48 min
